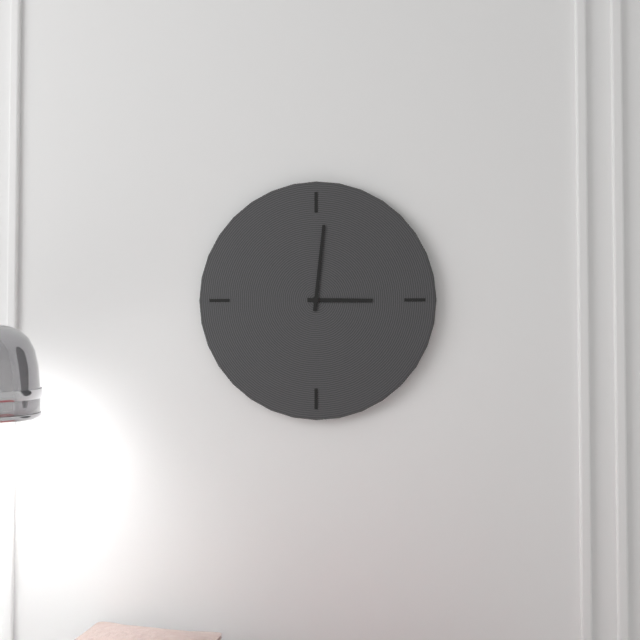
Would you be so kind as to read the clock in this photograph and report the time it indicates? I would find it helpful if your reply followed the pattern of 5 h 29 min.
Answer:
3 h 01 min
